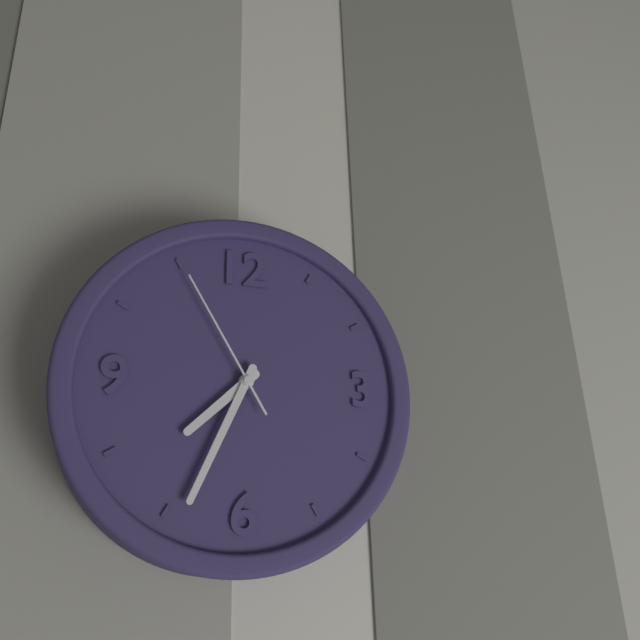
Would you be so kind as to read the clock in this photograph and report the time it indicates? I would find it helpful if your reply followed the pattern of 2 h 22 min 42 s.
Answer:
7 h 34 min 55 s
